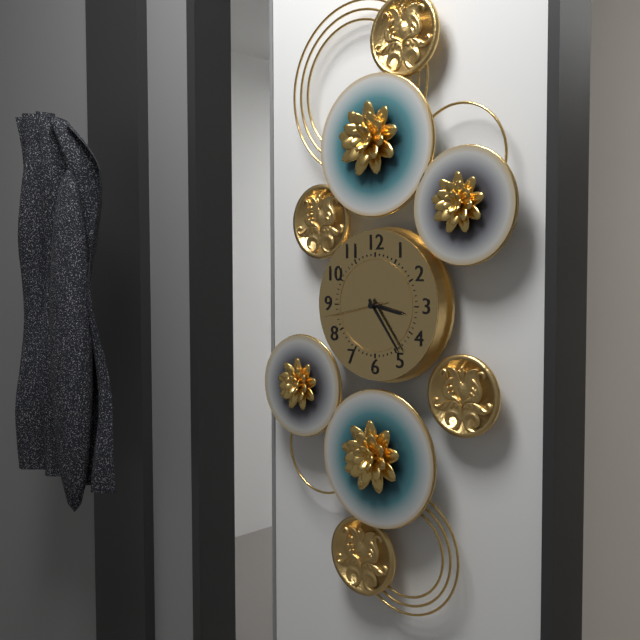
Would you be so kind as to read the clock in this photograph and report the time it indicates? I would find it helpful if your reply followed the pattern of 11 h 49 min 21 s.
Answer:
3 h 24 min 43 s
